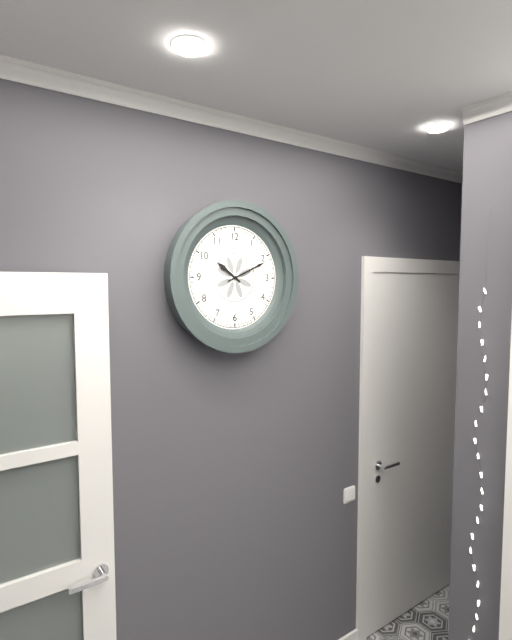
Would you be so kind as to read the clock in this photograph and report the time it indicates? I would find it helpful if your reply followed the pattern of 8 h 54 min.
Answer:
10 h 11 min
